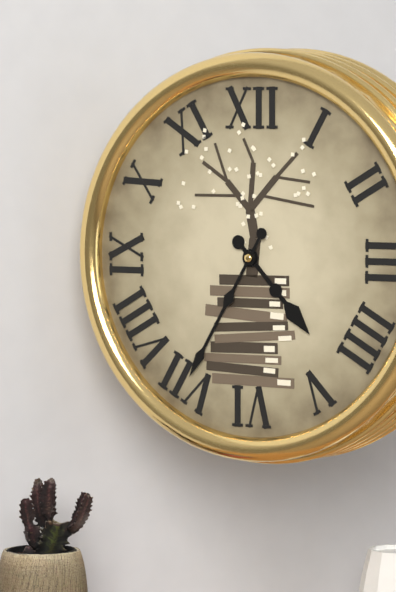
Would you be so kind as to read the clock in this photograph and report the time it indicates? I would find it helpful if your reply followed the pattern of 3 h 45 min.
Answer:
4 h 35 min
